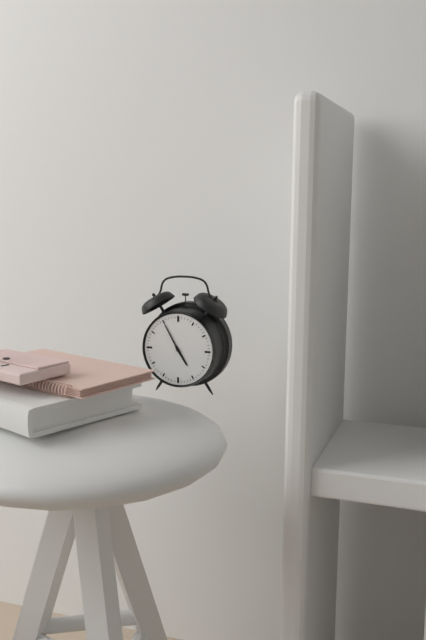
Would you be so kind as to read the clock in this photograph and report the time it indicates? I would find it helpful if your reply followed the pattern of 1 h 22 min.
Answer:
4 h 55 min
